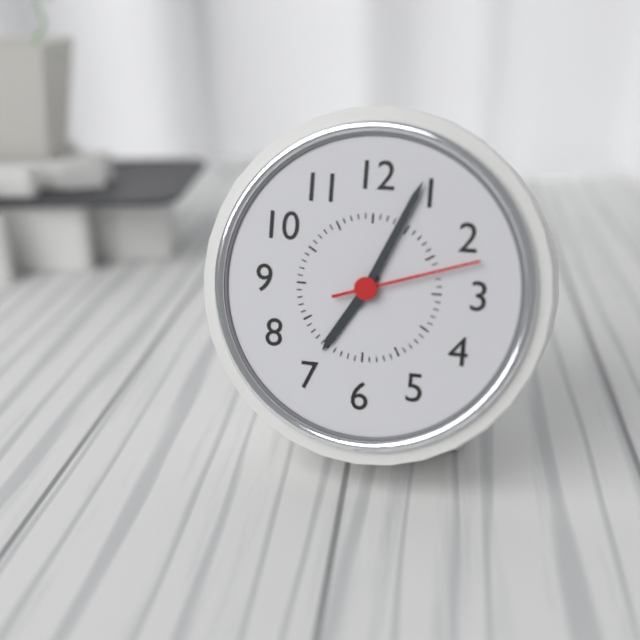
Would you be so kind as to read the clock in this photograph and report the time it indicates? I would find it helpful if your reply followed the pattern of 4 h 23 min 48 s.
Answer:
7 h 04 min 12 s
